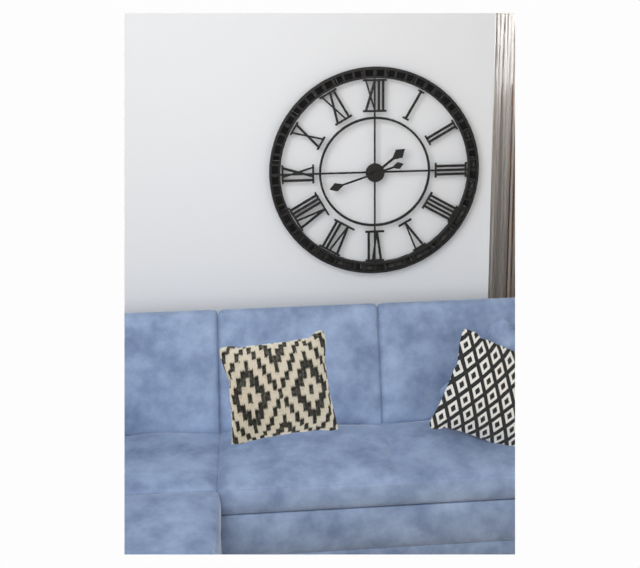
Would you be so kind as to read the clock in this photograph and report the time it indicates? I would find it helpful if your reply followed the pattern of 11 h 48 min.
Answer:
1 h 42 min
